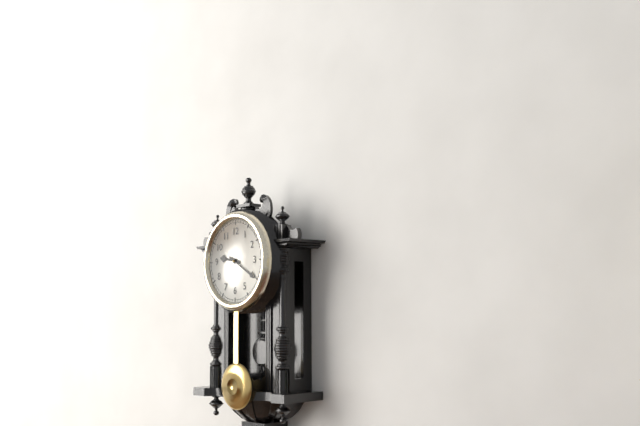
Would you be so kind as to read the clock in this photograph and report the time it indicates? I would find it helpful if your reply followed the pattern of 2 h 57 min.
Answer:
9 h 20 min
